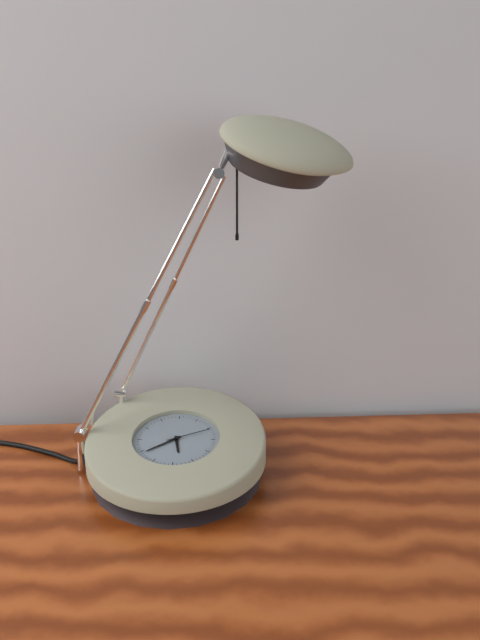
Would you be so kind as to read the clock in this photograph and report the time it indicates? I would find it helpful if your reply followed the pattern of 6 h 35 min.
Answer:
5 h 39 min
